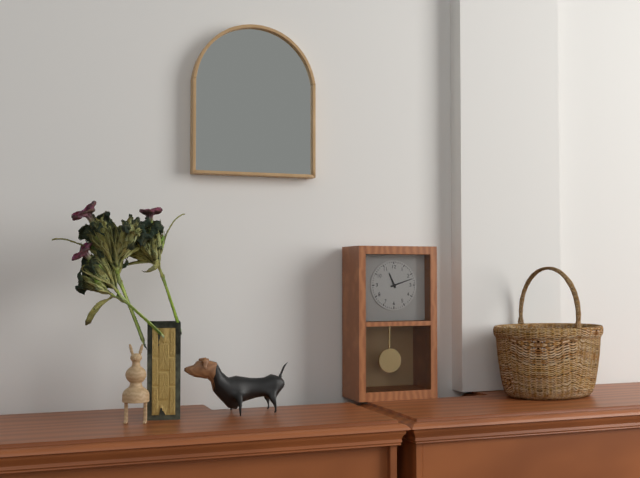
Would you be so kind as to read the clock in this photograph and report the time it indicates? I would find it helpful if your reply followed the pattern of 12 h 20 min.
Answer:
11 h 12 min
